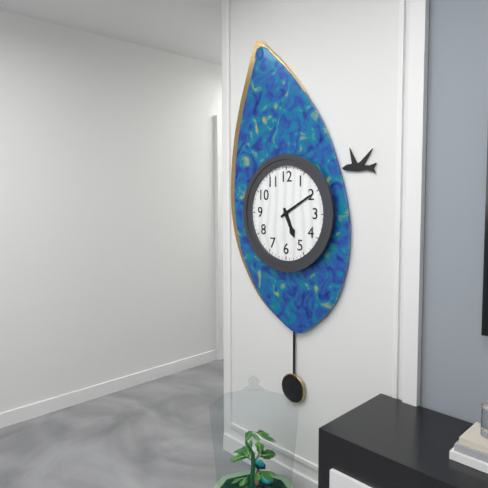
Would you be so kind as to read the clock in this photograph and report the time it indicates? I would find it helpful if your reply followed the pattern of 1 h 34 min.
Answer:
5 h 10 min
